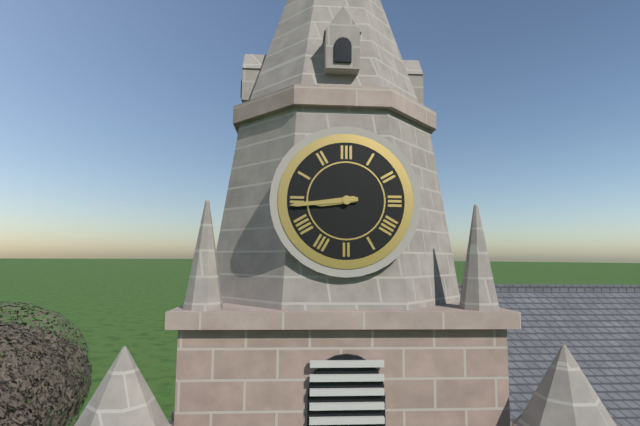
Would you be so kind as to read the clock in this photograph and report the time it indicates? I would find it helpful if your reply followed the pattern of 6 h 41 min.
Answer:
8 h 44 min
